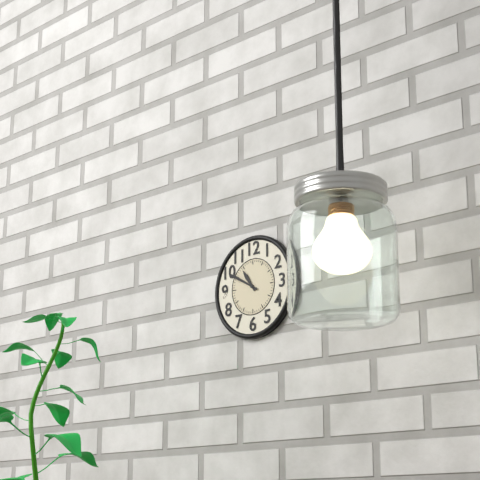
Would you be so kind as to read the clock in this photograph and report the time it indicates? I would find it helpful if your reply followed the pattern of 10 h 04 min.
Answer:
10 h 50 min
